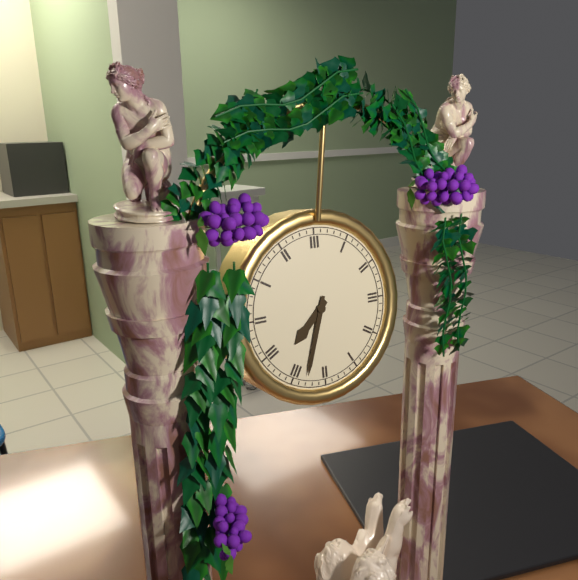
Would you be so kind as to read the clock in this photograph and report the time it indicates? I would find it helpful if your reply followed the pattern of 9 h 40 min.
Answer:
7 h 33 min
